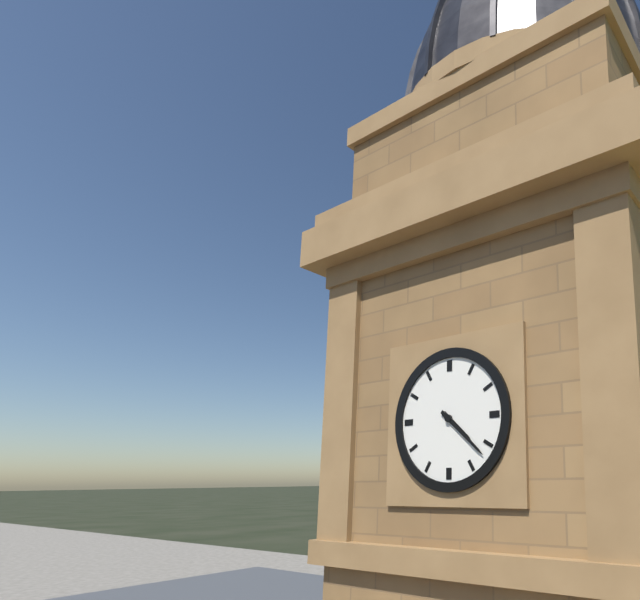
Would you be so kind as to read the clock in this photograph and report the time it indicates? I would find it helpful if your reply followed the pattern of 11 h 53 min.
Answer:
4 h 22 min
